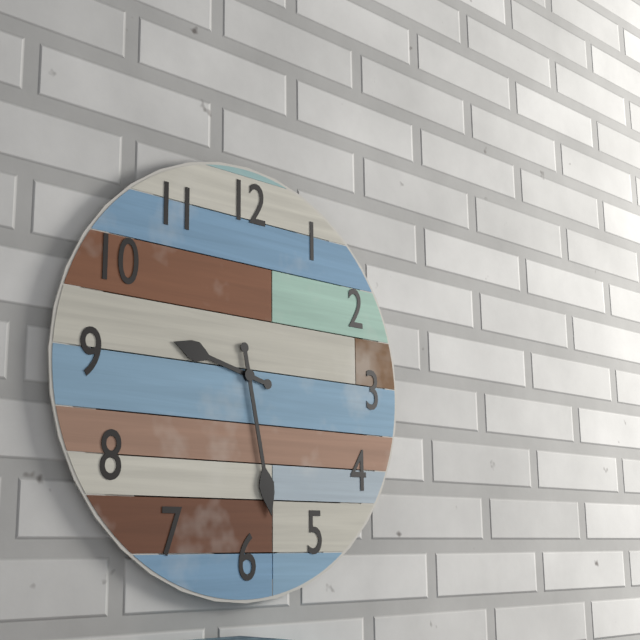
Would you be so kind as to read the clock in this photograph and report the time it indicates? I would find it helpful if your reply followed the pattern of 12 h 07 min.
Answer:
9 h 28 min
